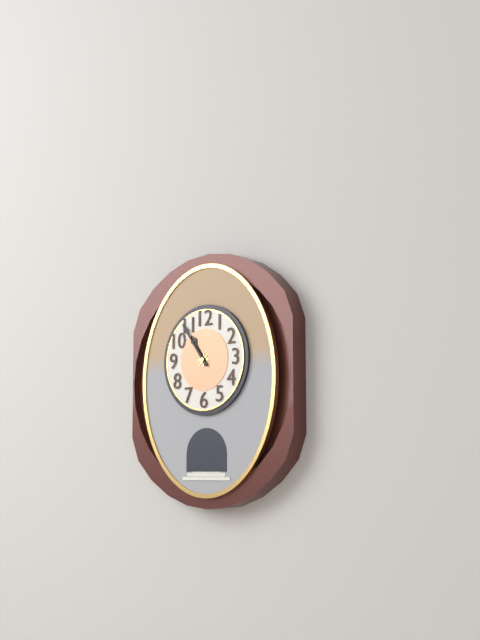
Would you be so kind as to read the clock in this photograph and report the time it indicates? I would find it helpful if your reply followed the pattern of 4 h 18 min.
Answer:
10 h 54 min
